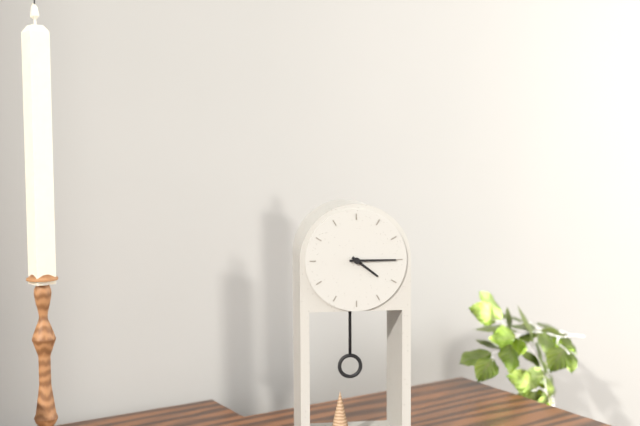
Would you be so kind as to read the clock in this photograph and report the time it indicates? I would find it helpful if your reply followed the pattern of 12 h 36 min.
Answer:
4 h 15 min
